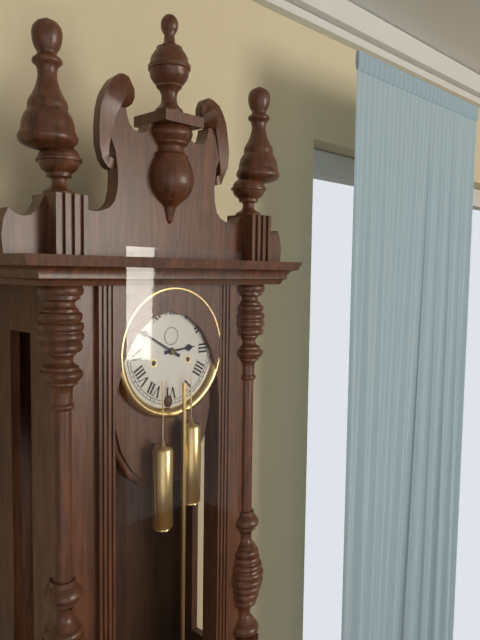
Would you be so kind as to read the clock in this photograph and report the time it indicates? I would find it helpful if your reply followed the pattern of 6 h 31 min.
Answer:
2 h 50 min
